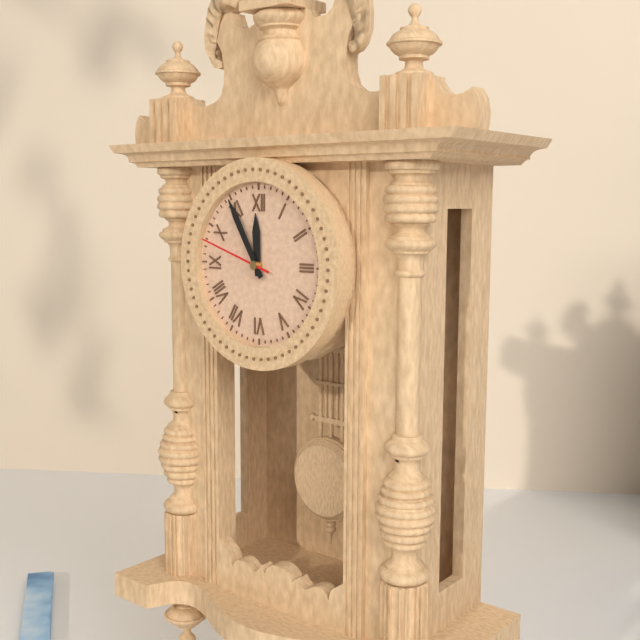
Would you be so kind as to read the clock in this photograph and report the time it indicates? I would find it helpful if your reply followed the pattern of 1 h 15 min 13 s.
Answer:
11 h 55 min 48 s
